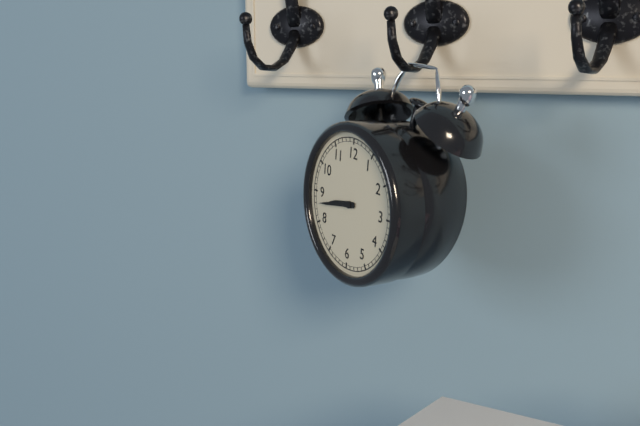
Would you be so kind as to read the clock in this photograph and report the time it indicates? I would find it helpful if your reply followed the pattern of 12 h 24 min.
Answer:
8 h 43 min
